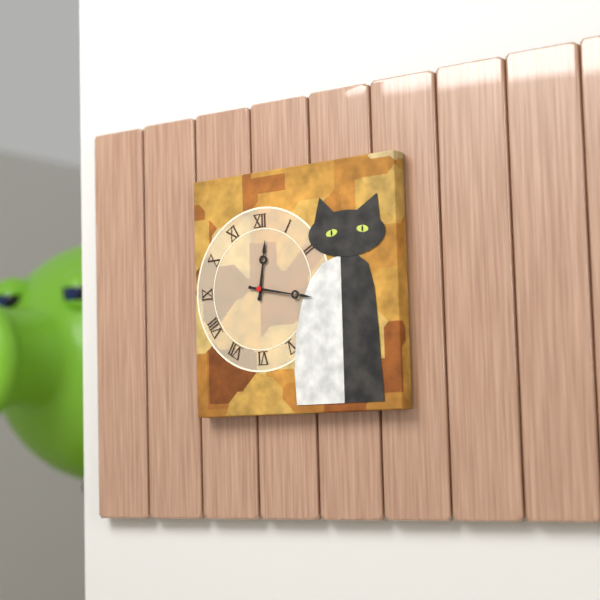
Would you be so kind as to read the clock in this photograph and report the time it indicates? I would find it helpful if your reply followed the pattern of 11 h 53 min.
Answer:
12 h 17 min
